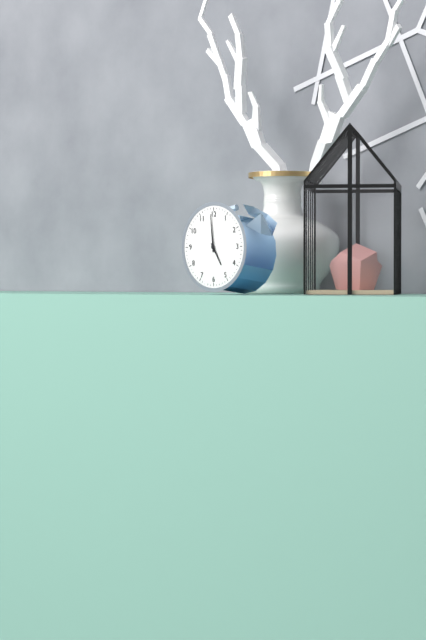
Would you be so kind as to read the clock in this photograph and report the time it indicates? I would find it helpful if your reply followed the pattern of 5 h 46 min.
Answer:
4 h 59 min
